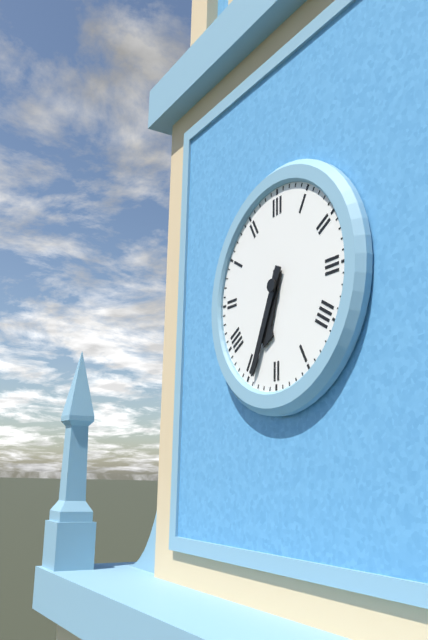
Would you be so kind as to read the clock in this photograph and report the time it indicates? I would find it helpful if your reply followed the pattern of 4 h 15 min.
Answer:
6 h 34 min
